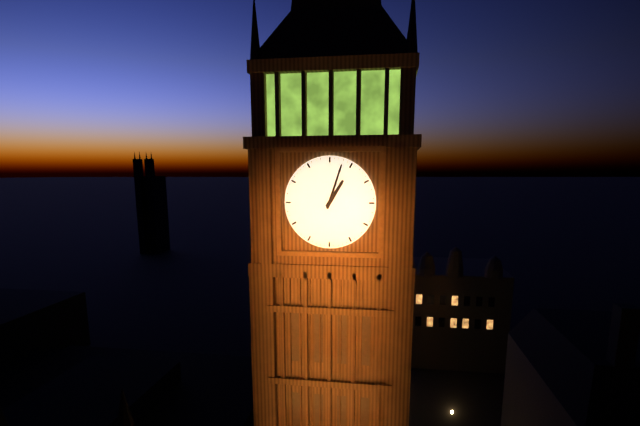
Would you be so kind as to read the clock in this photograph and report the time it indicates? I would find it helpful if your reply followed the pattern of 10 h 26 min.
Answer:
1 h 03 min
